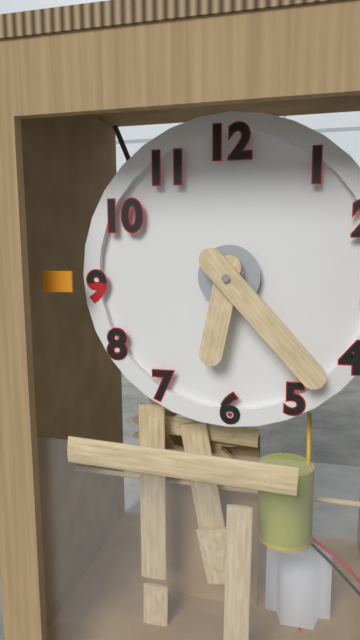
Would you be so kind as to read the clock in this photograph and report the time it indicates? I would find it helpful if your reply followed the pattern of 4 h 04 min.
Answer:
6 h 23 min
